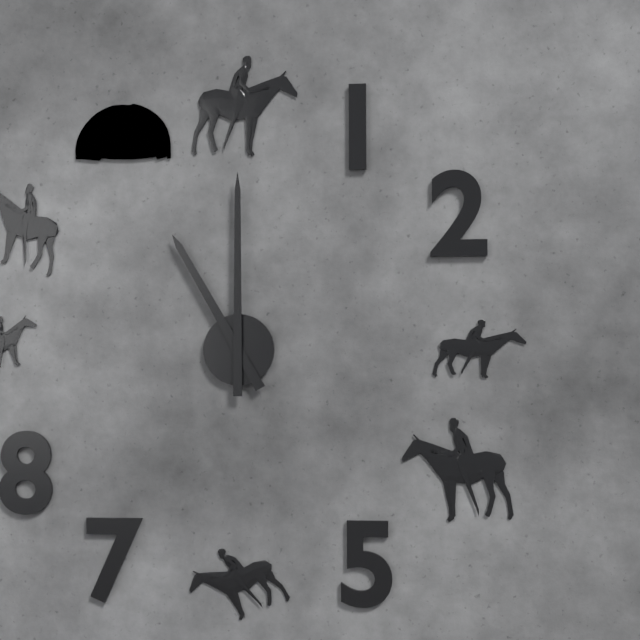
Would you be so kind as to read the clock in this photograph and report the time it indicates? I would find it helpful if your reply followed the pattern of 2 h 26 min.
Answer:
11 h 00 min
